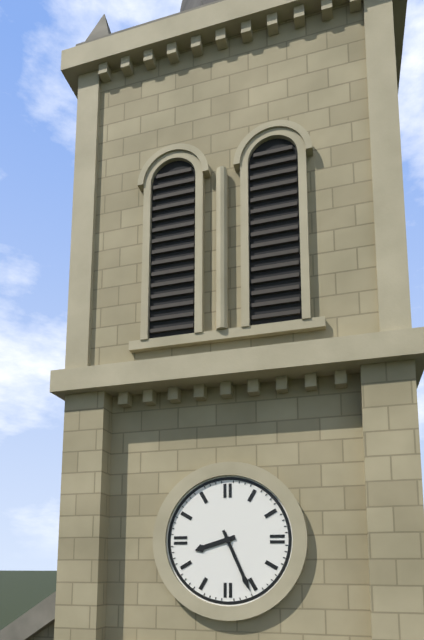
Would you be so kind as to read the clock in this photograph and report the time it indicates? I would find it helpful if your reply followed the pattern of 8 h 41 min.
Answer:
8 h 26 min
